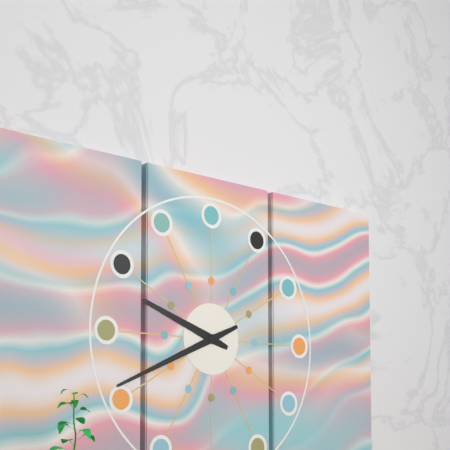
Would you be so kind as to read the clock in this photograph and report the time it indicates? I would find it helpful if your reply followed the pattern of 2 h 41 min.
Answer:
9 h 41 min
